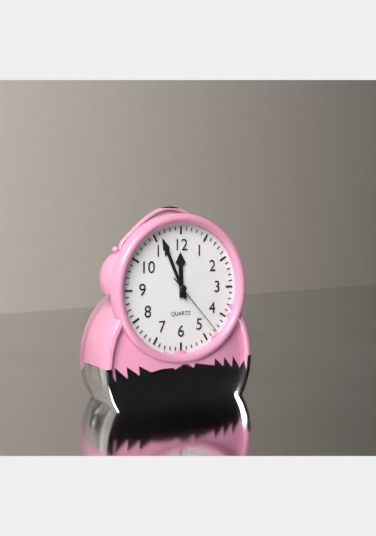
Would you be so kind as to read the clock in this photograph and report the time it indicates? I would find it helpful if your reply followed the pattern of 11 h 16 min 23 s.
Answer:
11 h 56 min 23 s
